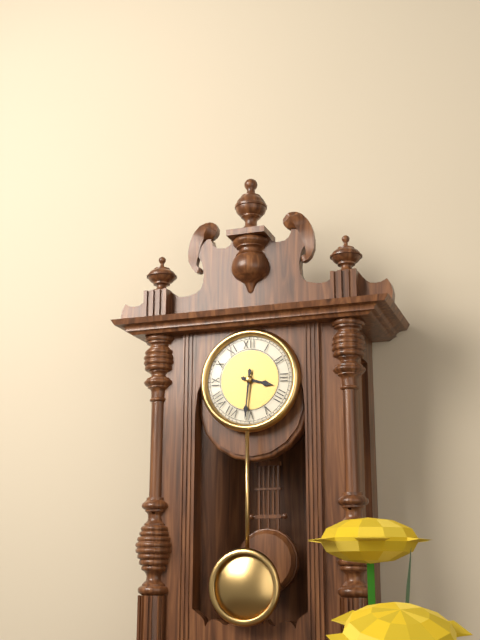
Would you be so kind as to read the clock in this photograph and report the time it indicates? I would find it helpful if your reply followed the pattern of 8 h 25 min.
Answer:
3 h 31 min
